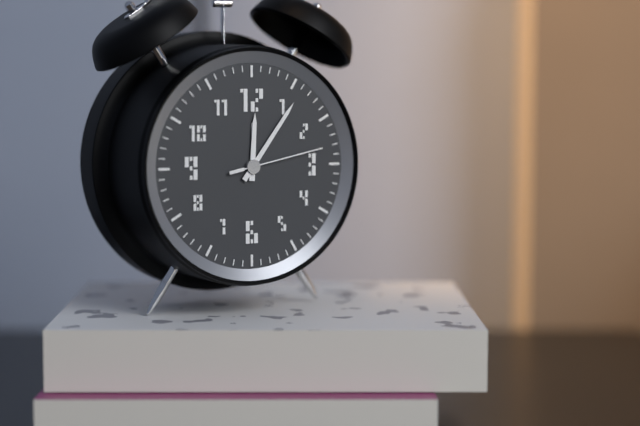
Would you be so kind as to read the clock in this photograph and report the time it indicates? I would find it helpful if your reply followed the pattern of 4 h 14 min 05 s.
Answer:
12 h 06 min 13 s
